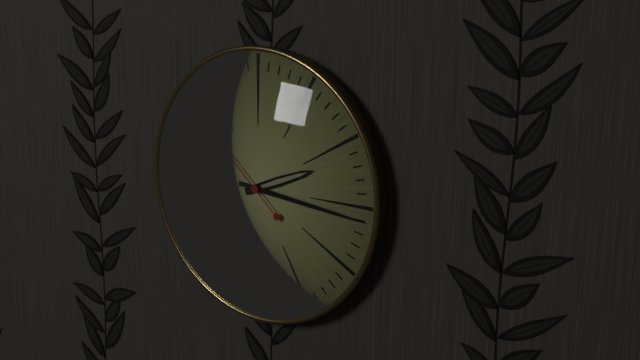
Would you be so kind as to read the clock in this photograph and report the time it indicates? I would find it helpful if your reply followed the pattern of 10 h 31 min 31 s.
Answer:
2 h 16 min 52 s
